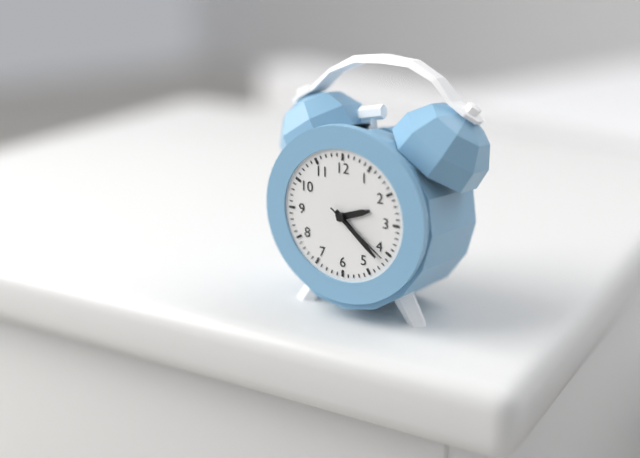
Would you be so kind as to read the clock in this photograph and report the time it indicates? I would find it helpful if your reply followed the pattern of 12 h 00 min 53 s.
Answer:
2 h 22 min 21 s
